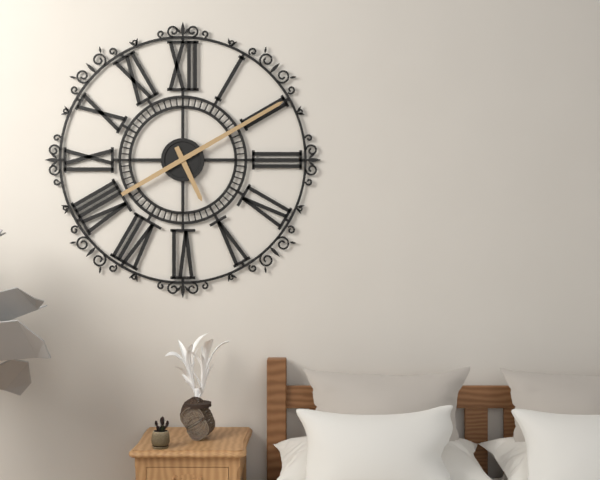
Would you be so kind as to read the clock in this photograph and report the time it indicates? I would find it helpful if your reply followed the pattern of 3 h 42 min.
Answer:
5 h 10 min
